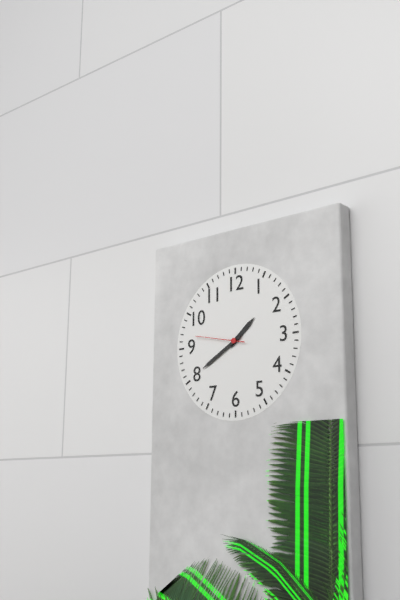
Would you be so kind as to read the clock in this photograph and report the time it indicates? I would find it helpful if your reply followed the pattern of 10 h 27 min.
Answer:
1 h 40 min
